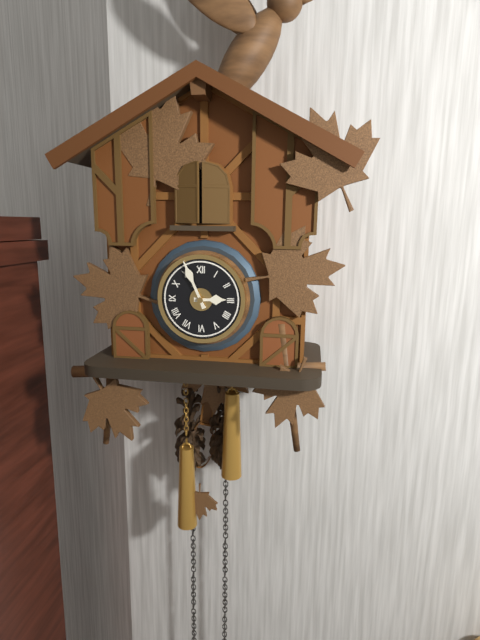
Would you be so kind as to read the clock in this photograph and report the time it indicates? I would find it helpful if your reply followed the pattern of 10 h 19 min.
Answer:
2 h 56 min
